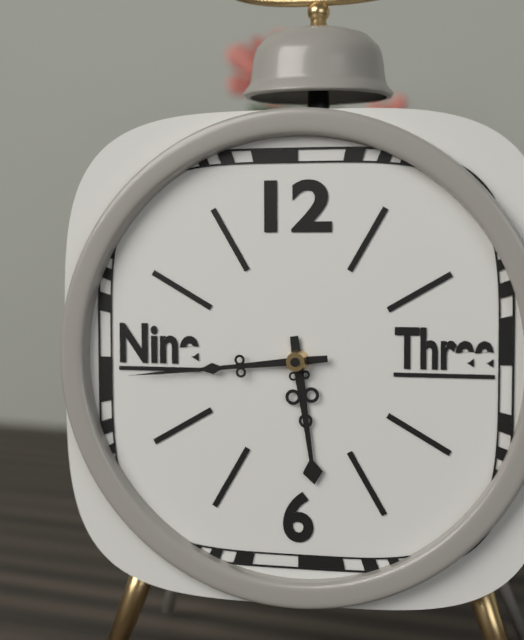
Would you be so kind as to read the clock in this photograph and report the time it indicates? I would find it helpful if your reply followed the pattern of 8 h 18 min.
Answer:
5 h 44 min
